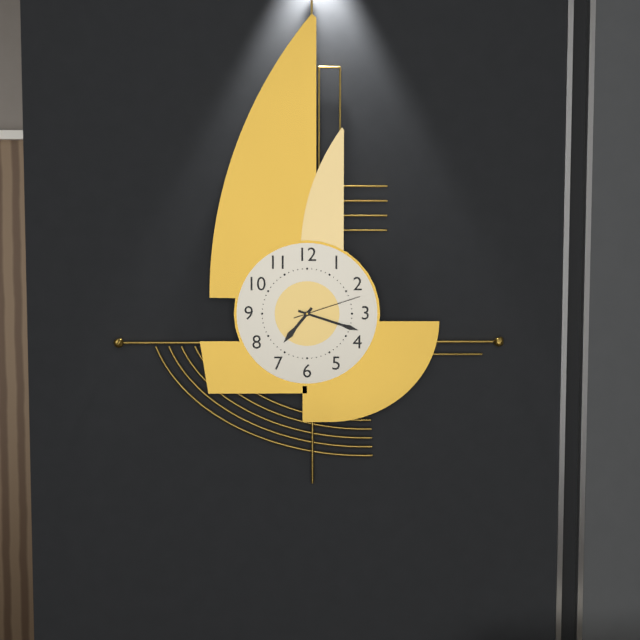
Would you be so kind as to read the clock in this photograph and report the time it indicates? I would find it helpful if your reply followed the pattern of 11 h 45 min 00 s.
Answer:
7 h 18 min 12 s
